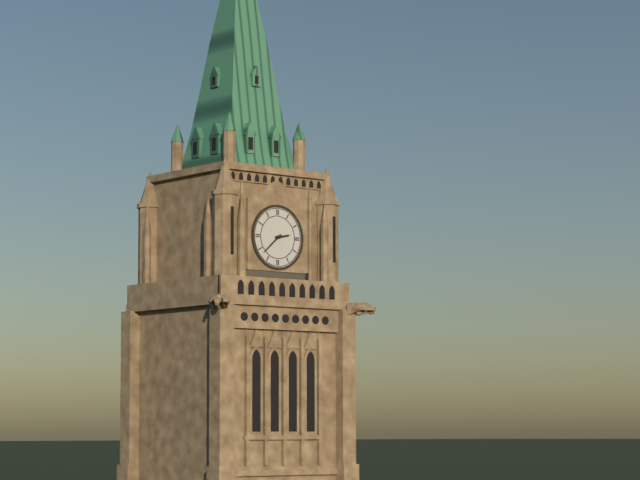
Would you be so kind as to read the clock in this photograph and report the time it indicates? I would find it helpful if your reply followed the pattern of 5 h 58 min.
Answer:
2 h 38 min
